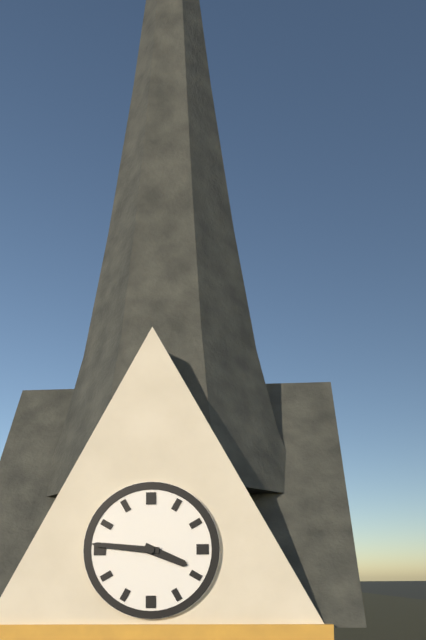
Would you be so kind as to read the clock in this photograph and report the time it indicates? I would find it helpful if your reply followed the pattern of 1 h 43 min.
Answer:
3 h 46 min
